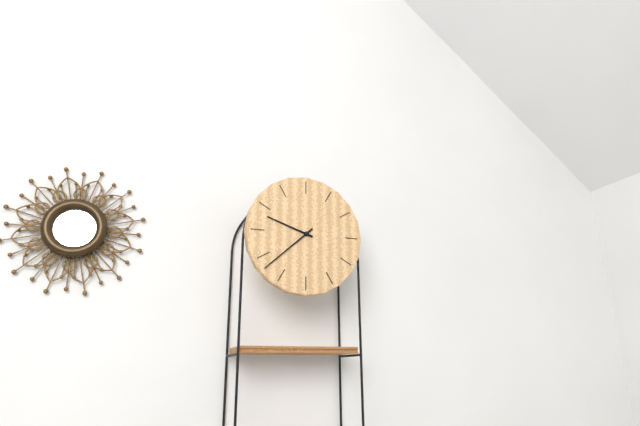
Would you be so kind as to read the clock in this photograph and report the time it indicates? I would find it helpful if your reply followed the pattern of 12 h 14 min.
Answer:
9 h 38 min
